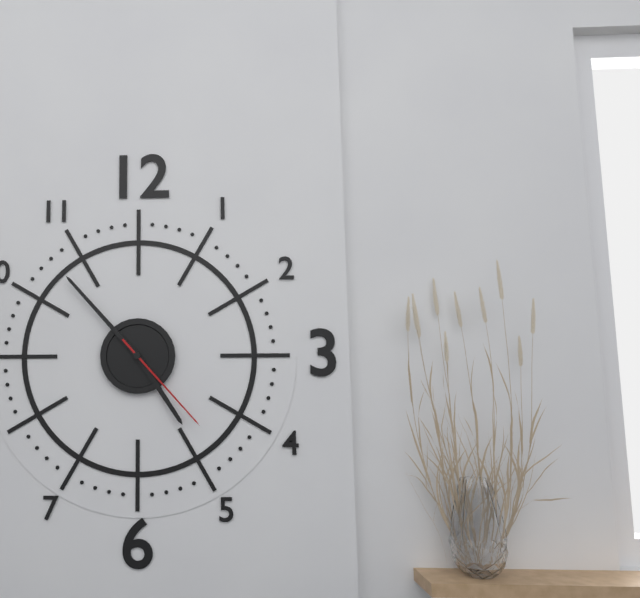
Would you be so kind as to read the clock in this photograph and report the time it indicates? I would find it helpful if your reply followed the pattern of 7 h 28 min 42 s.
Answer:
4 h 53 min 23 s
